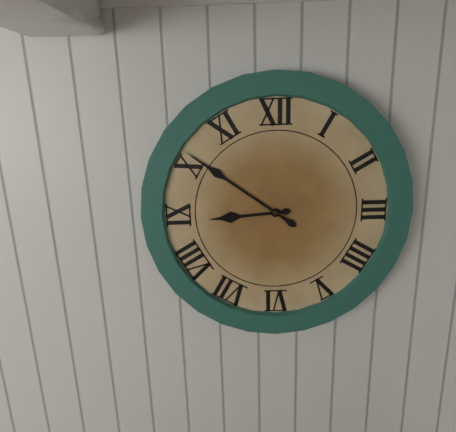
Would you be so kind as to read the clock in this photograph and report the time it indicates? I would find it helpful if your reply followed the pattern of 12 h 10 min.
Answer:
8 h 51 min
